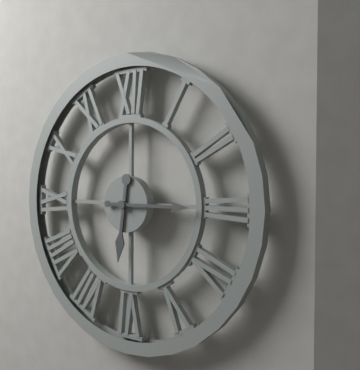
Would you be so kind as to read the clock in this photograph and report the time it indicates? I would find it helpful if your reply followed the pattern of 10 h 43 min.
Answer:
6 h 15 min
